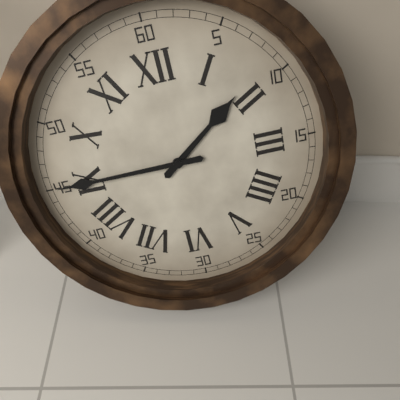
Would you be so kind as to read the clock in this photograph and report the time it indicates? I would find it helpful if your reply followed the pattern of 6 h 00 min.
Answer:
1 h 45 min
